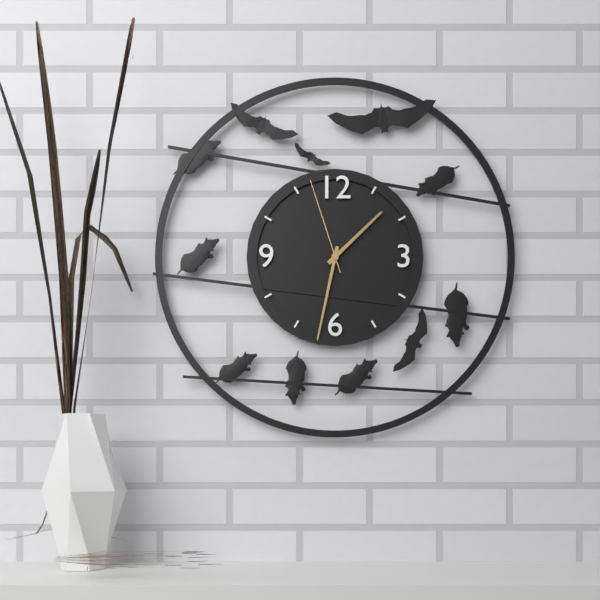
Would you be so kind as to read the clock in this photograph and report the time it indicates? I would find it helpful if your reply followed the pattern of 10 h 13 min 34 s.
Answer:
1 h 32 min 57 s
